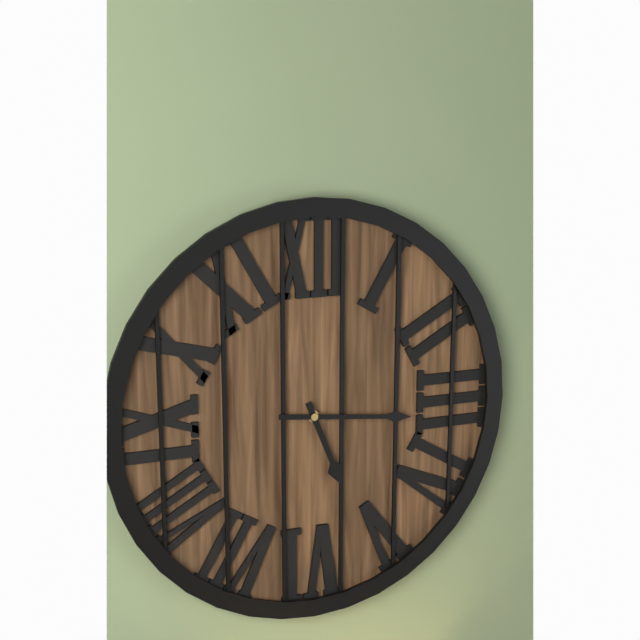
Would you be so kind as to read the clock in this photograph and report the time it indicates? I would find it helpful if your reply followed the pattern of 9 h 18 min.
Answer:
5 h 16 min
